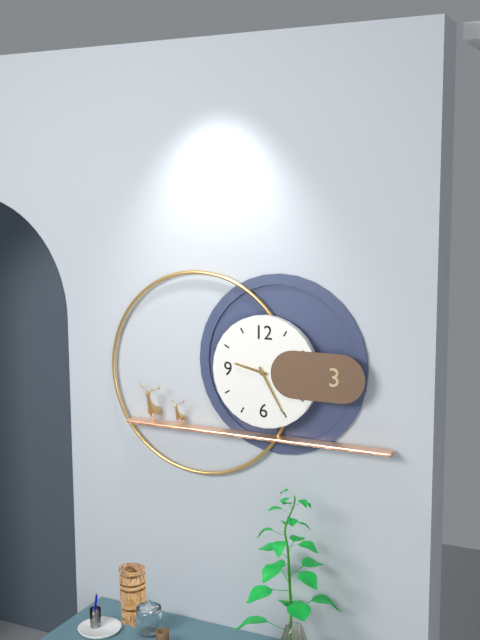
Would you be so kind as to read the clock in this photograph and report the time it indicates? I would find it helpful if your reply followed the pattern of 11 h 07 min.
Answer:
9 h 25 min
